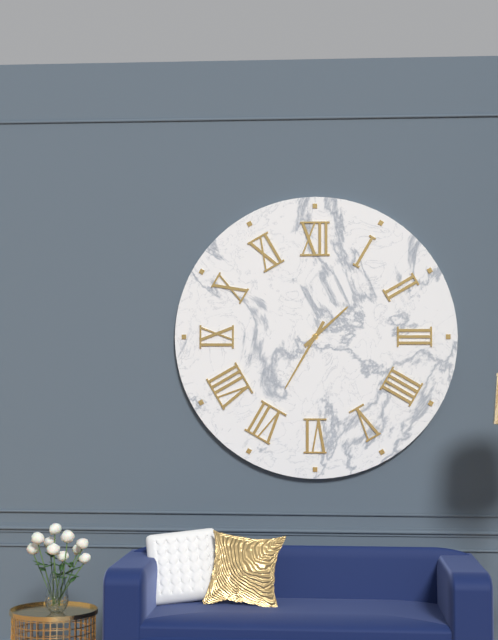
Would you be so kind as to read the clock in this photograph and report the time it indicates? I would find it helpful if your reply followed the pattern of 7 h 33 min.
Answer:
1 h 35 min
